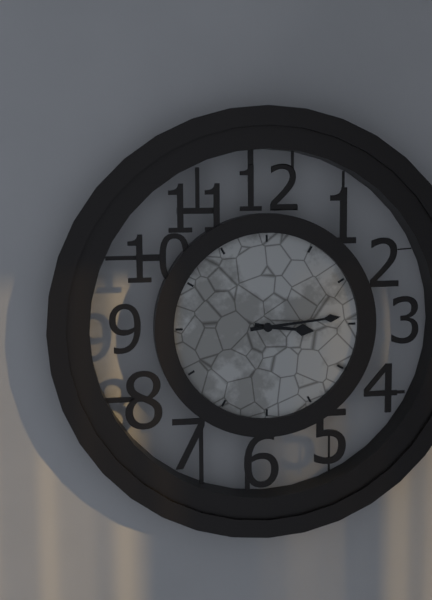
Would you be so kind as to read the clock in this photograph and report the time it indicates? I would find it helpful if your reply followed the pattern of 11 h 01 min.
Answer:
3 h 14 min
